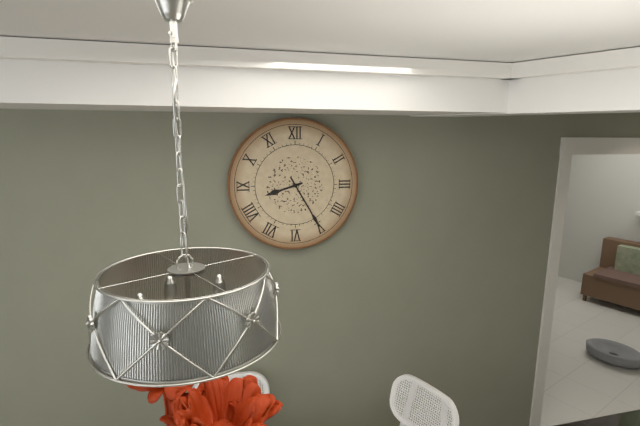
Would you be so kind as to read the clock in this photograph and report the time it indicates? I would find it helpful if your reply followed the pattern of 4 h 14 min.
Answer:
8 h 25 min
